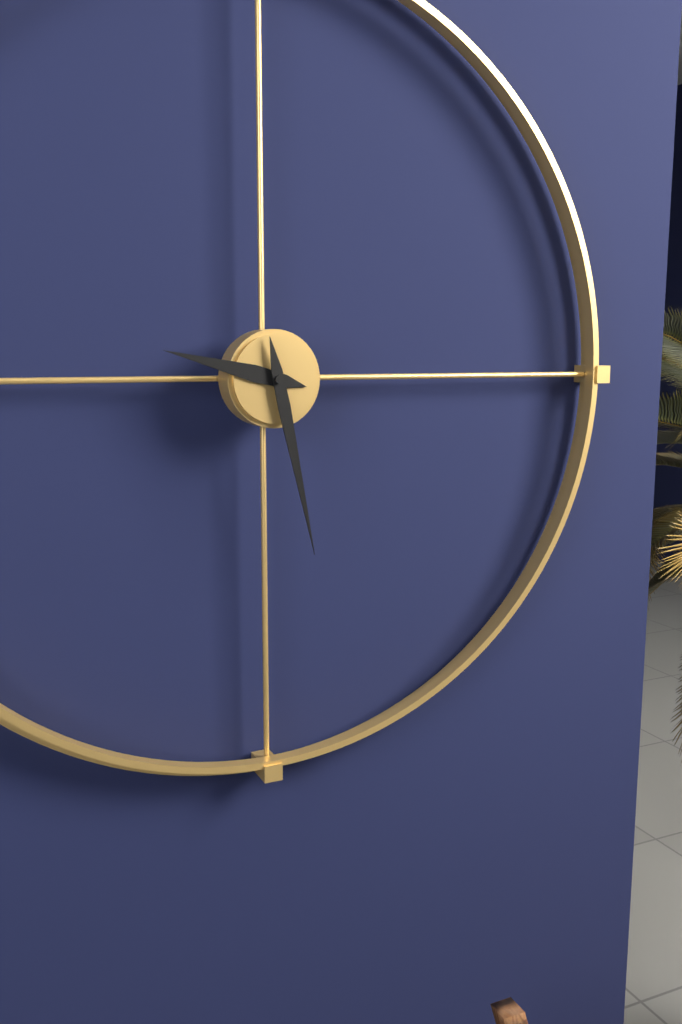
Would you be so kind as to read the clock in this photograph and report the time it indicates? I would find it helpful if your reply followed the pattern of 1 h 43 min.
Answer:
9 h 28 min
